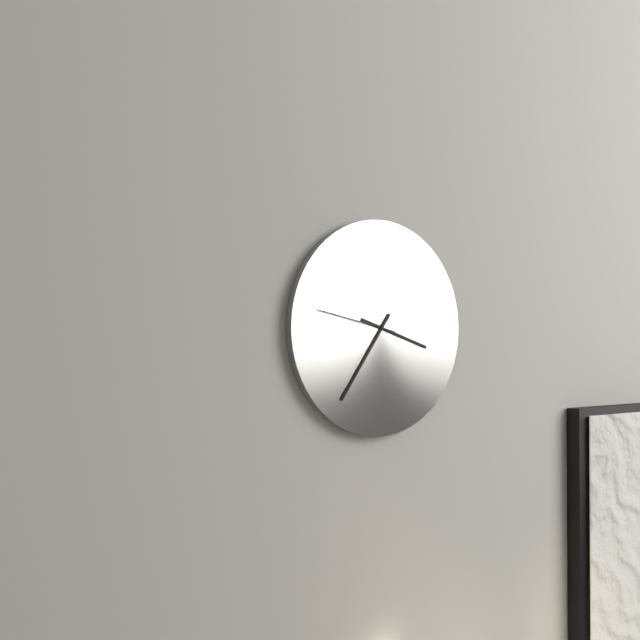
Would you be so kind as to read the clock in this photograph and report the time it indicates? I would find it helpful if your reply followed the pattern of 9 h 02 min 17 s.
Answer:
3 h 36 min 47 s
